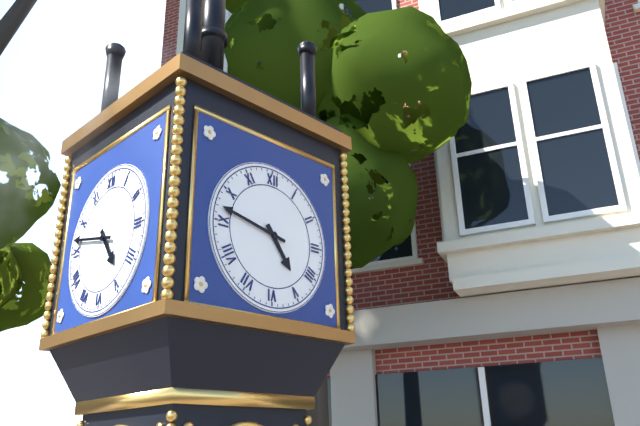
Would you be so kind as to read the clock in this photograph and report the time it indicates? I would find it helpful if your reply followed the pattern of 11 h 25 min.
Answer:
4 h 47 min
